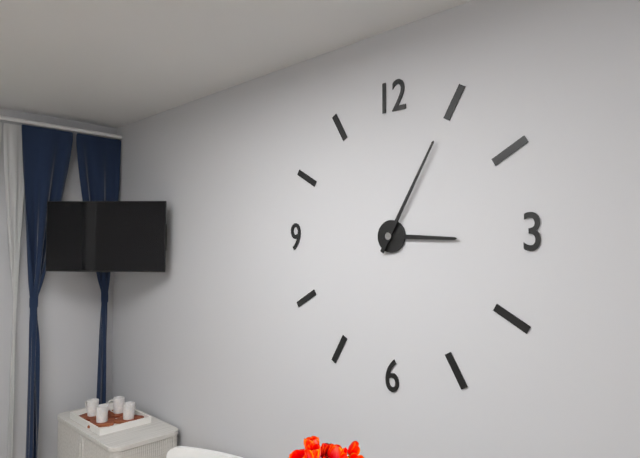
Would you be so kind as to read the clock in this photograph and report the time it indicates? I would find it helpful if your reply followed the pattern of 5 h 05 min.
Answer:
3 h 05 min
